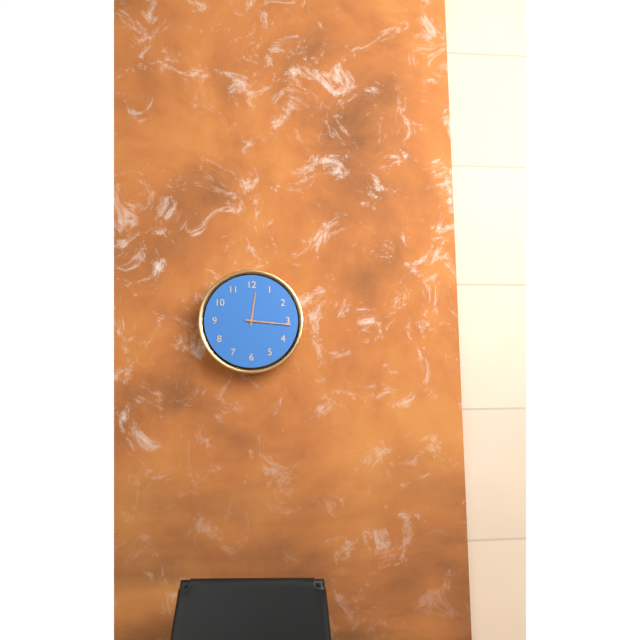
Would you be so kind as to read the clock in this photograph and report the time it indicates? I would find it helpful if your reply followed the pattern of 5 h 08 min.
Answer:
12 h 16 min
